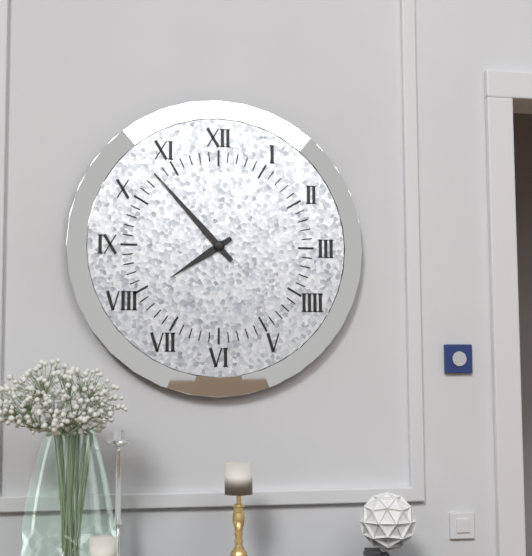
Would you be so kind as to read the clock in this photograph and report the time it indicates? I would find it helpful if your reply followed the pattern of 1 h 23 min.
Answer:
7 h 53 min
